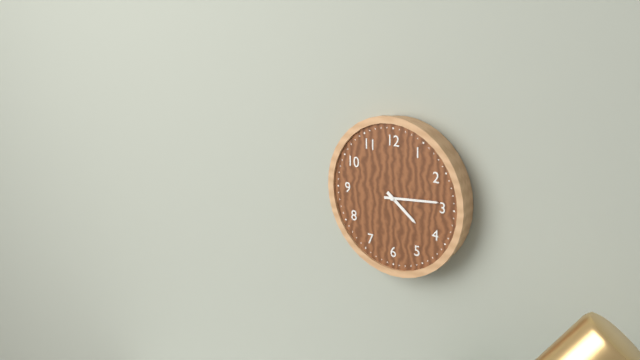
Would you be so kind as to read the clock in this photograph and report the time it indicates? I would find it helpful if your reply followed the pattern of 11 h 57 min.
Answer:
4 h 14 min
